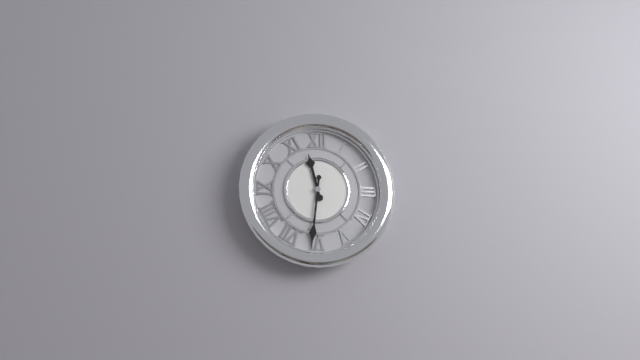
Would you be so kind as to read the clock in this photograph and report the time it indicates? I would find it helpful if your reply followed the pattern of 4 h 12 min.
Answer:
11 h 31 min
